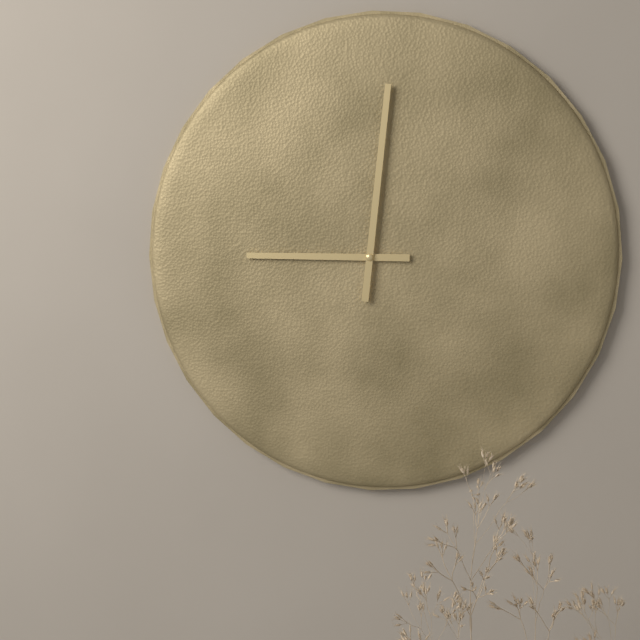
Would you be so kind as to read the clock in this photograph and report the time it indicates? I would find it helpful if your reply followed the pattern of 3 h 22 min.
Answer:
9 h 01 min
